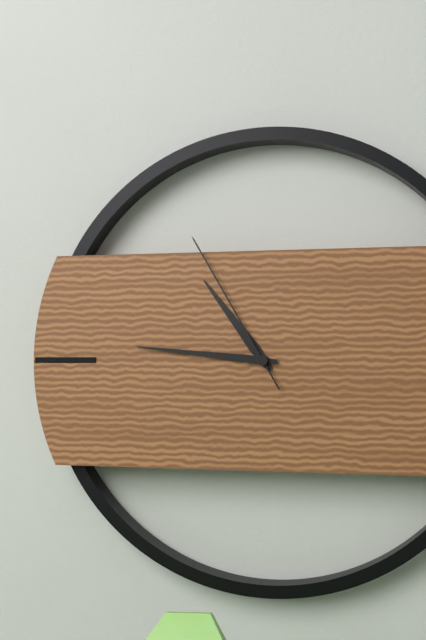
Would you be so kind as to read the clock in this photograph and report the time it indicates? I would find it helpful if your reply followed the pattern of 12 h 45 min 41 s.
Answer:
10 h 46 min 55 s
